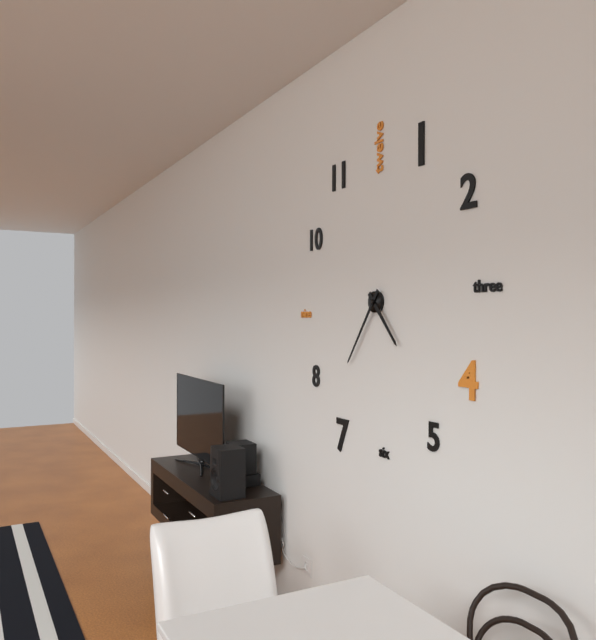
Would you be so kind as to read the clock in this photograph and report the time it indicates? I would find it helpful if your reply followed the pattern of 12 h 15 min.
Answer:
4 h 36 min
